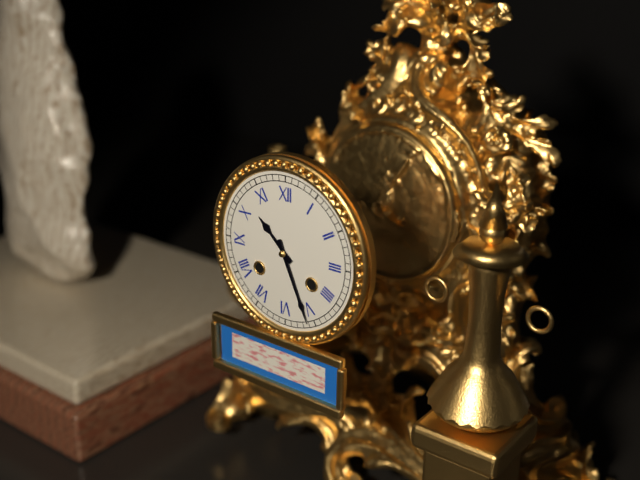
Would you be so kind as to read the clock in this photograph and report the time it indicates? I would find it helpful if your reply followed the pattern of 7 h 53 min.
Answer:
10 h 26 min
